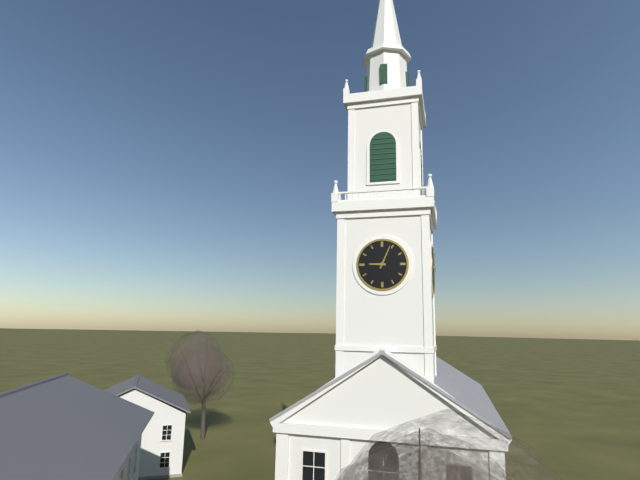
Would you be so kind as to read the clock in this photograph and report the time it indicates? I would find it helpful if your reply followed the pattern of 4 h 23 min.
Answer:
9 h 04 min
